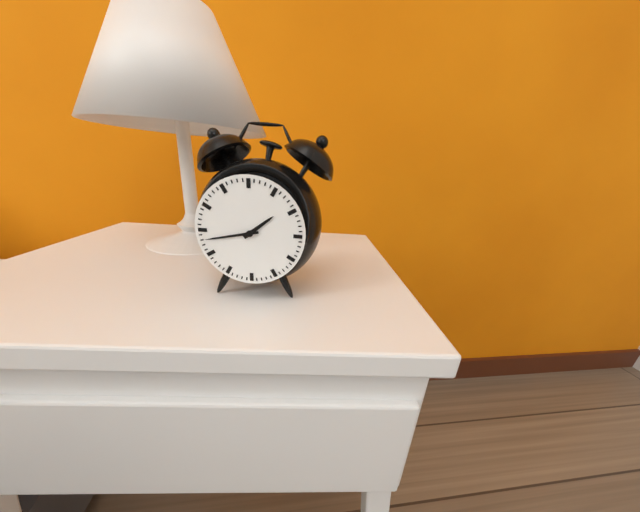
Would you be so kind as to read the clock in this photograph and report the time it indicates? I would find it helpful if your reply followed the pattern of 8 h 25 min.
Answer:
1 h 43 min
